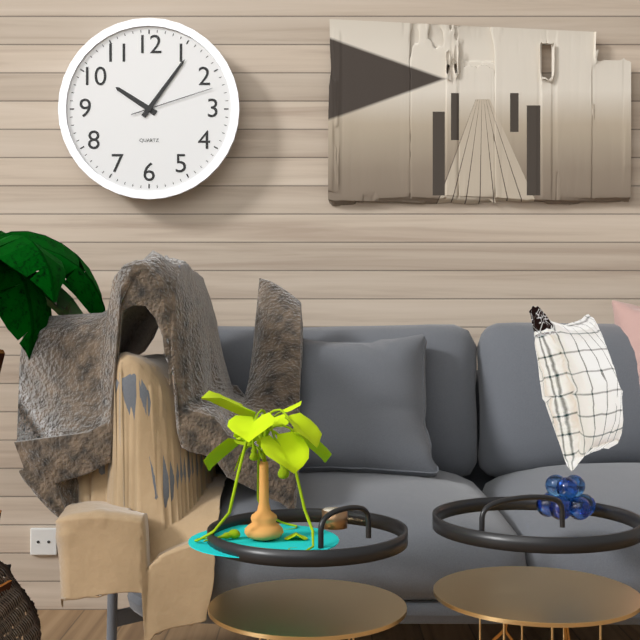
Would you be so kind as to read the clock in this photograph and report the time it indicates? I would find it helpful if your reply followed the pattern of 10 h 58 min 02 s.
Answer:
10 h 06 min 12 s
